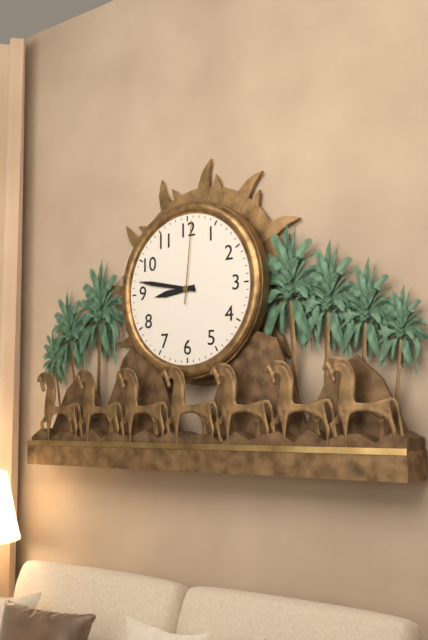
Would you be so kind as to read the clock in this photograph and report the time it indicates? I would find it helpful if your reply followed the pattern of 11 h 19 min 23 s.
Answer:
8 h 47 min 01 s
